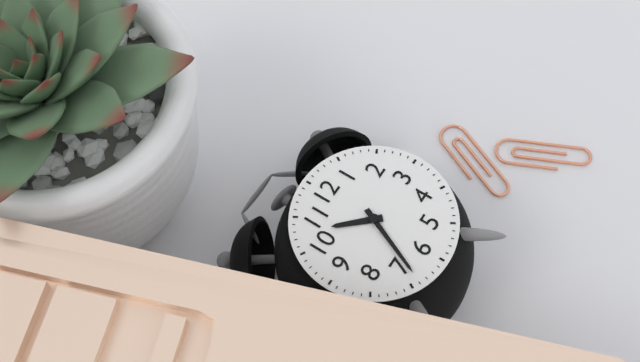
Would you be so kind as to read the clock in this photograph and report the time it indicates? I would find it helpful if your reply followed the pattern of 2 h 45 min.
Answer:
10 h 34 min
